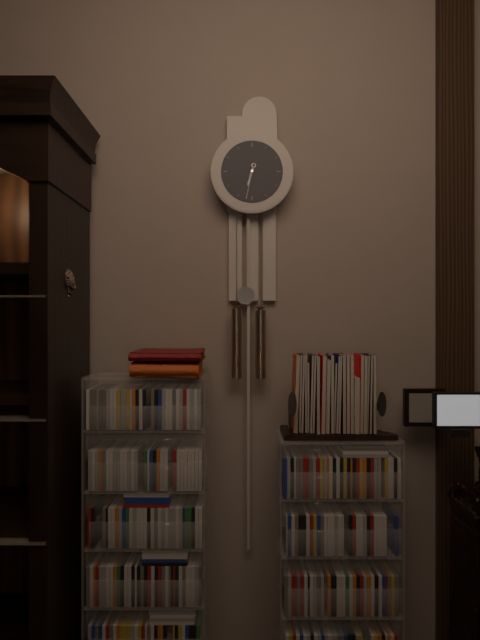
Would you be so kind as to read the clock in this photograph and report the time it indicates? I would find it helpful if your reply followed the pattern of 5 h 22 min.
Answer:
6 h 32 min
